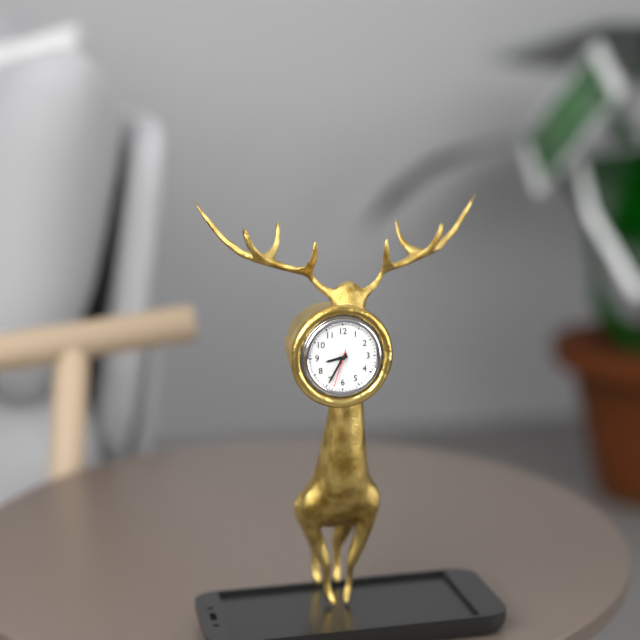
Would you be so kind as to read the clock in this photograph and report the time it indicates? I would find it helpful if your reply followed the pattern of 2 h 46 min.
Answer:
8 h 35 min
